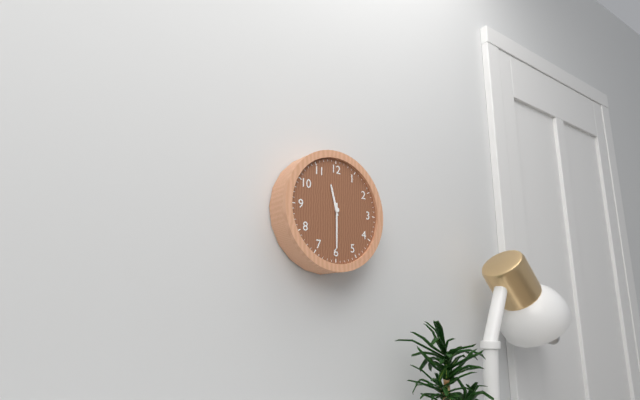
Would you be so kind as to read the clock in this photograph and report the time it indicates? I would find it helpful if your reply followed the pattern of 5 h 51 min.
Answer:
11 h 30 min
